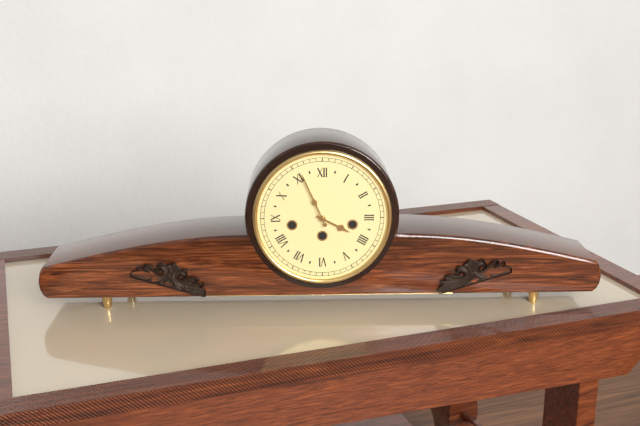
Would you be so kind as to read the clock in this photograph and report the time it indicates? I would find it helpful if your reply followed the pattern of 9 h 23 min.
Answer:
3 h 56 min
